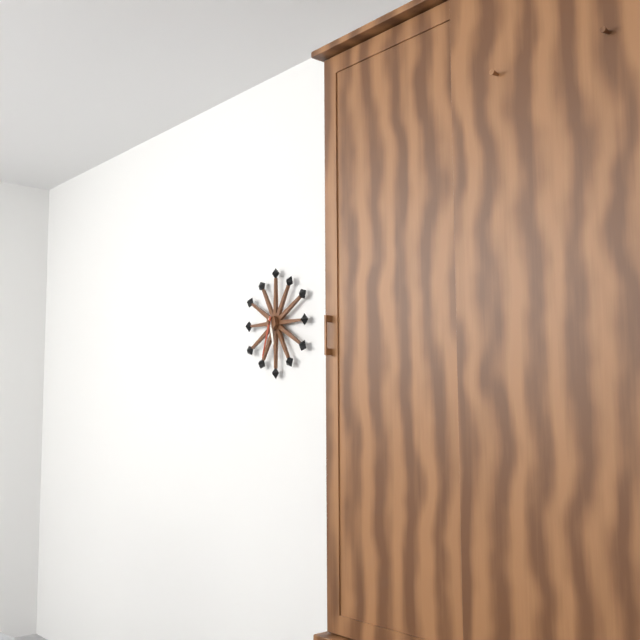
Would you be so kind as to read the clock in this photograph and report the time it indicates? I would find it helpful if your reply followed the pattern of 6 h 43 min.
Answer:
5 h 33 min
